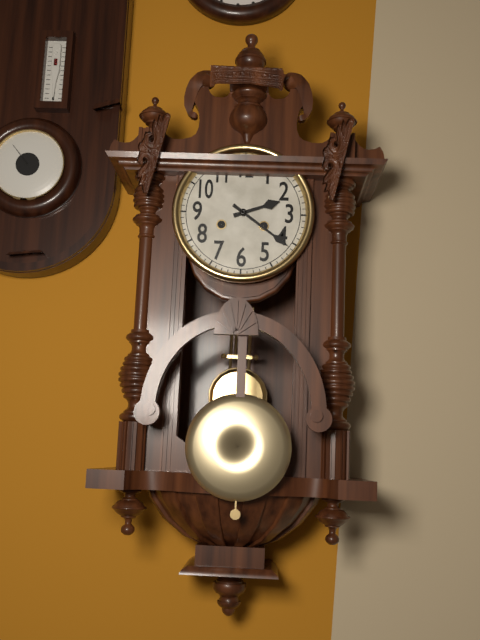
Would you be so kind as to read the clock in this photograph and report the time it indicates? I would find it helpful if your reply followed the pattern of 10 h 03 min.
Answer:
2 h 21 min
